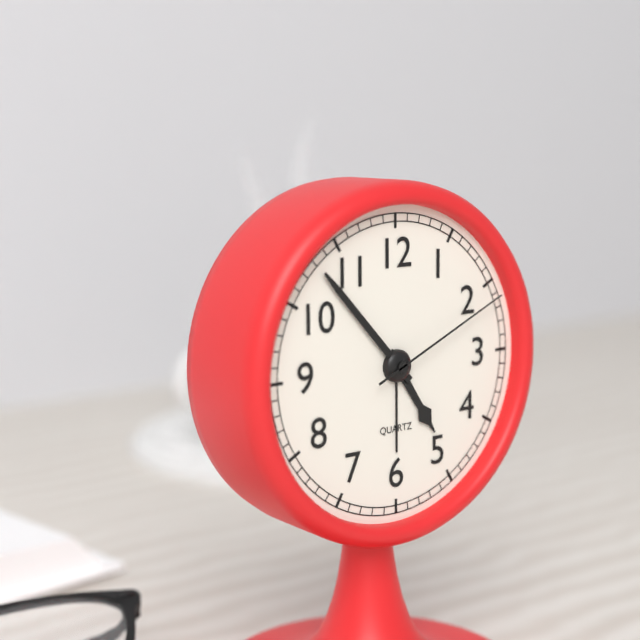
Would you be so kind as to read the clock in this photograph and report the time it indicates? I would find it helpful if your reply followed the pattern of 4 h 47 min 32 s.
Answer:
4 h 53 min 11 s
